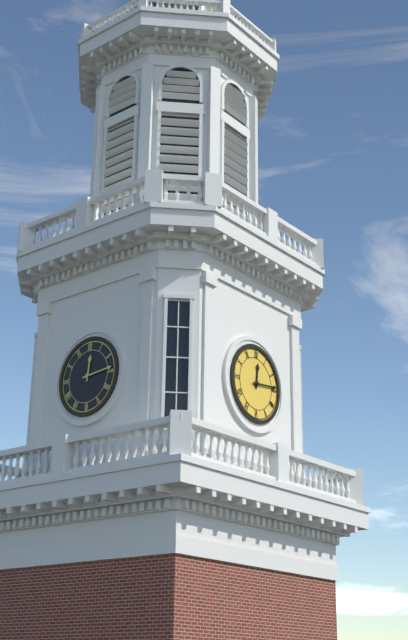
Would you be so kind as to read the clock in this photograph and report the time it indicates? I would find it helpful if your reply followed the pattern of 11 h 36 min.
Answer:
12 h 14 min
